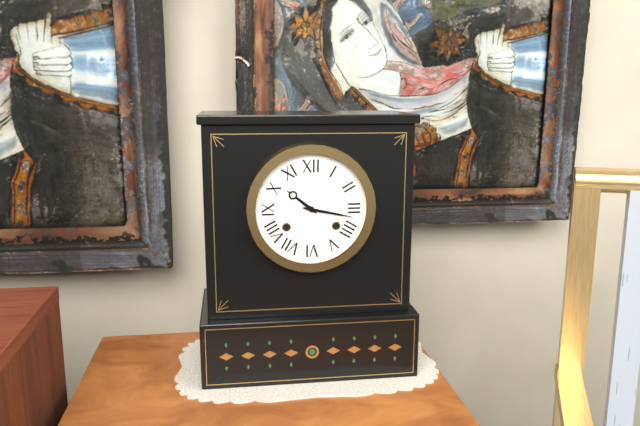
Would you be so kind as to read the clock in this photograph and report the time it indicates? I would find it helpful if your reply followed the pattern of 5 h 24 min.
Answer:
10 h 17 min
